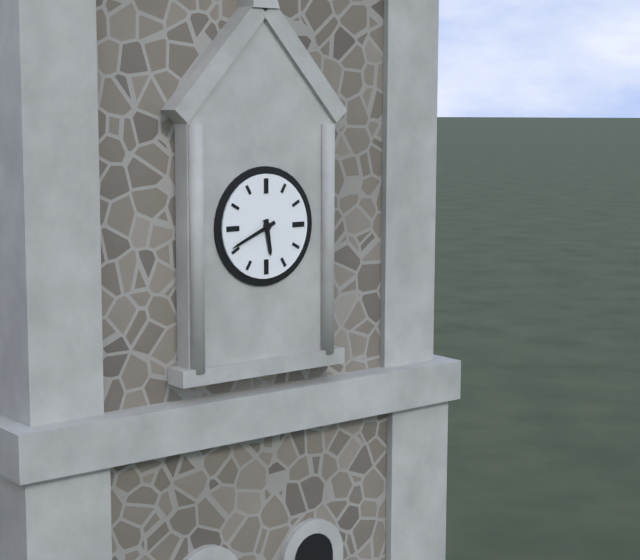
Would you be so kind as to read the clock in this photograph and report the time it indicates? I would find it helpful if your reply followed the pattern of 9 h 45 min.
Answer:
5 h 41 min
